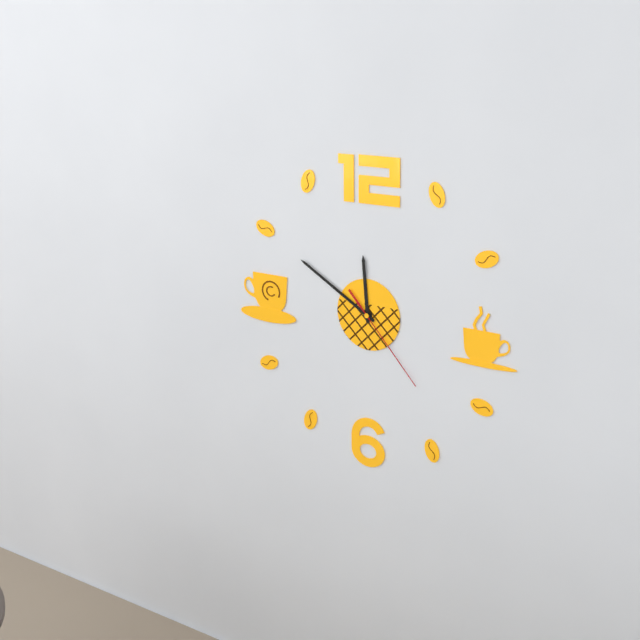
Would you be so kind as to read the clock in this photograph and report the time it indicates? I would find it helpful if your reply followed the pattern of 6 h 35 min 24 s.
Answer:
11 h 50 min 23 s
